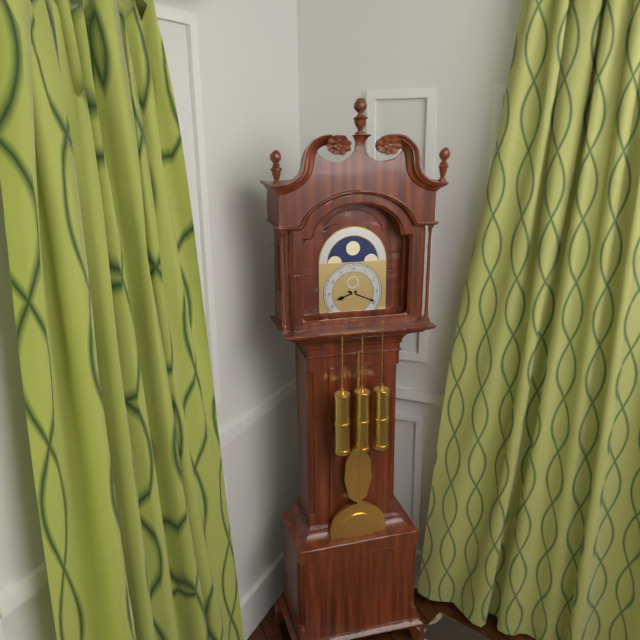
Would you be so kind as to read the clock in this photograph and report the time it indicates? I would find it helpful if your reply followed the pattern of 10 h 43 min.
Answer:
8 h 19 min
